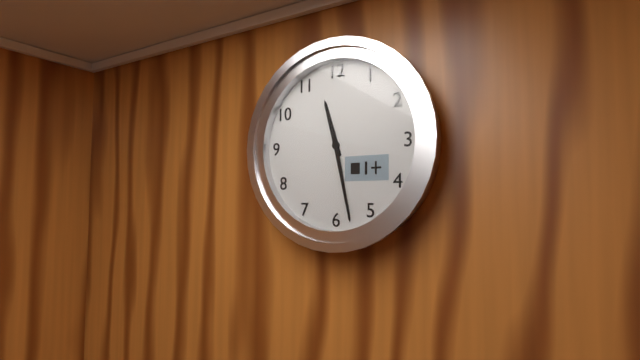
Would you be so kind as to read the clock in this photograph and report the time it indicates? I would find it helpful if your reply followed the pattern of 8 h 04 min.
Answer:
11 h 28 min
